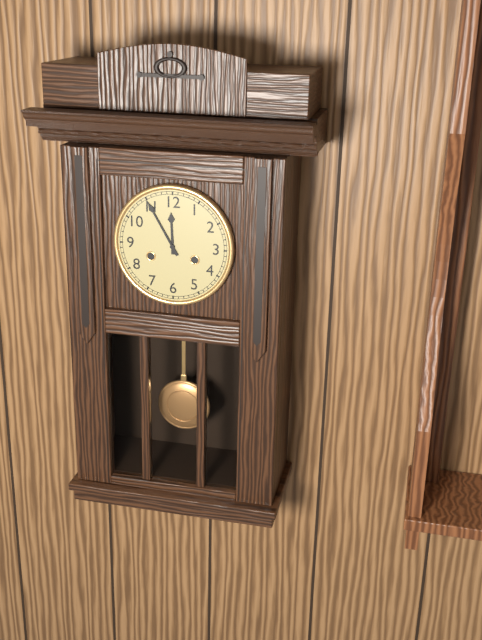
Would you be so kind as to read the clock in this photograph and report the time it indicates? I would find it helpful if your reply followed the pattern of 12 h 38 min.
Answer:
11 h 55 min
